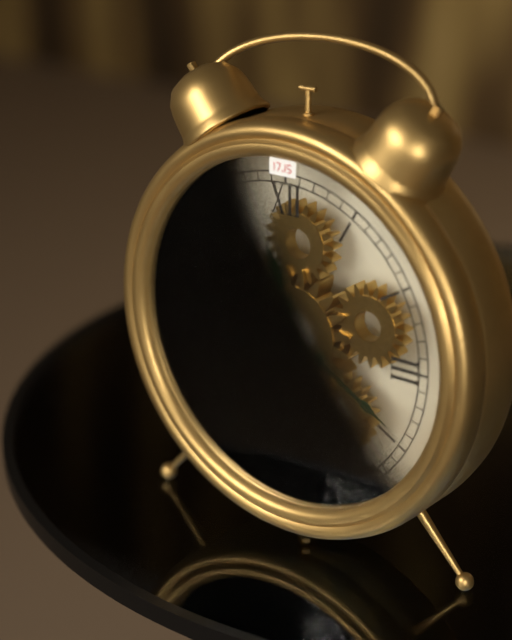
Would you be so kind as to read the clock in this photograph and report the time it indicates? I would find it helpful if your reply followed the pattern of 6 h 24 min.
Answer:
11 h 20 min
